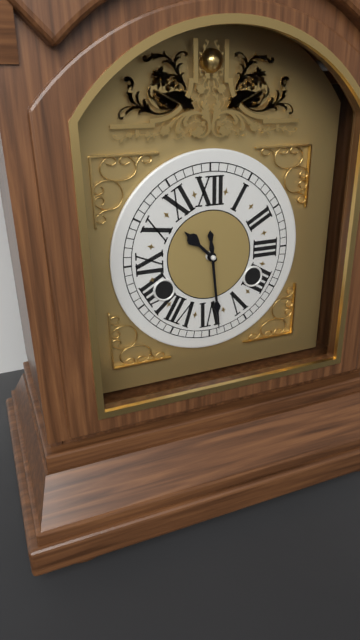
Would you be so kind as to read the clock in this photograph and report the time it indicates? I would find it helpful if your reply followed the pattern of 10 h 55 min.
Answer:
10 h 29 min
